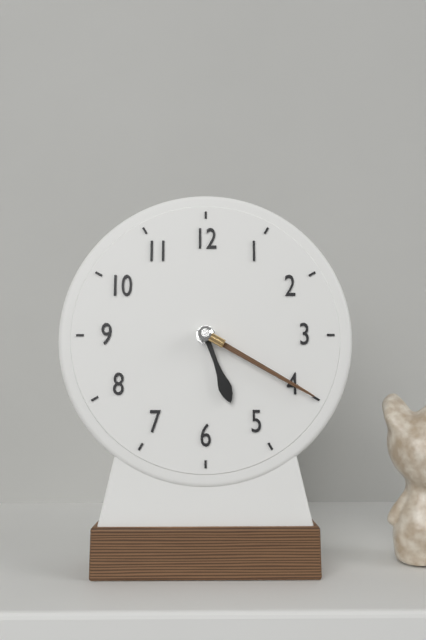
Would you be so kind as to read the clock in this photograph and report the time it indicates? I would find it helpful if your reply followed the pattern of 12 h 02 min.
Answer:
5 h 20 min
